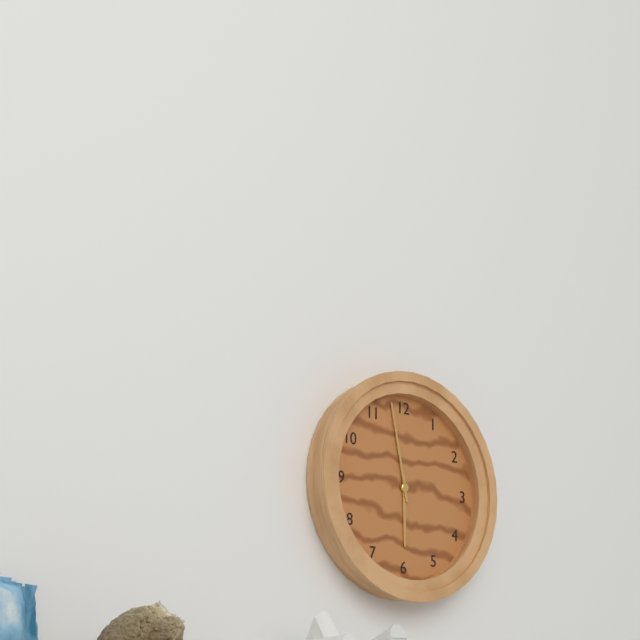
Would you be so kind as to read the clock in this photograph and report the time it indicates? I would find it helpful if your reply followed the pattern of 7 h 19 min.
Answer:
5 h 58 min
